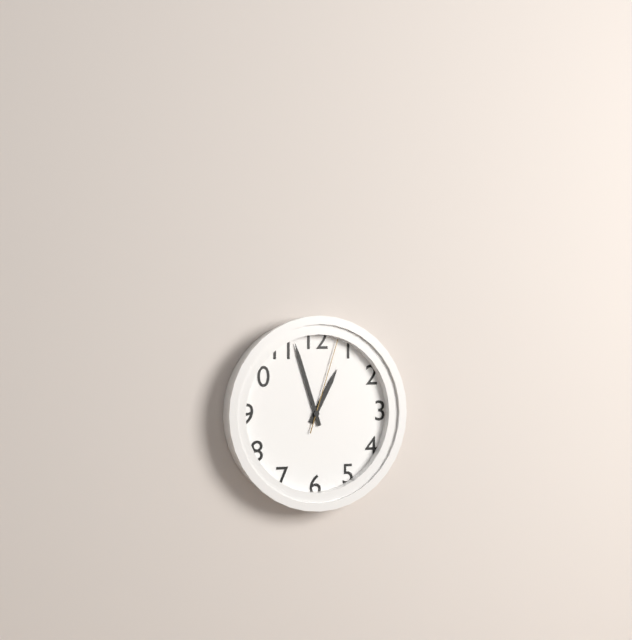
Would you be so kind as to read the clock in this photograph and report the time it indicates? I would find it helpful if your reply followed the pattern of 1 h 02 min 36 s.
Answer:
12 h 57 min 03 s
